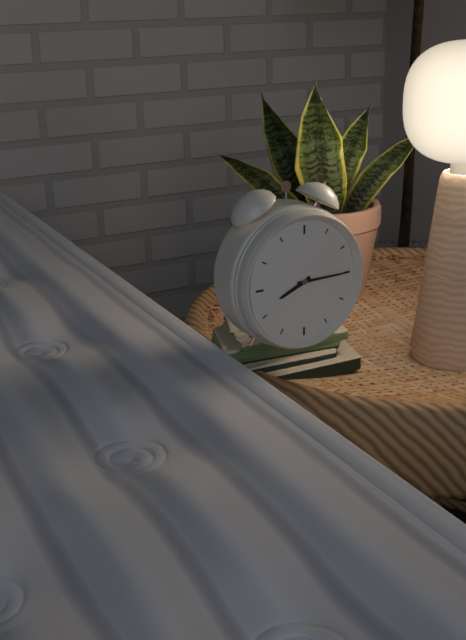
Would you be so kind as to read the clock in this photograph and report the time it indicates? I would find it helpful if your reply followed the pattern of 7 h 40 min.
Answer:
8 h 15 min
